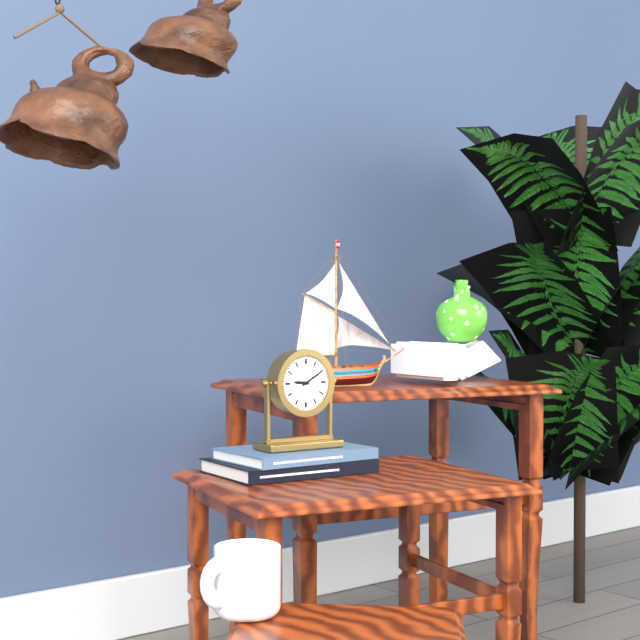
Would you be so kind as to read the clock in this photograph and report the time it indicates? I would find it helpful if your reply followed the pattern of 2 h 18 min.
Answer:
9 h 10 min
